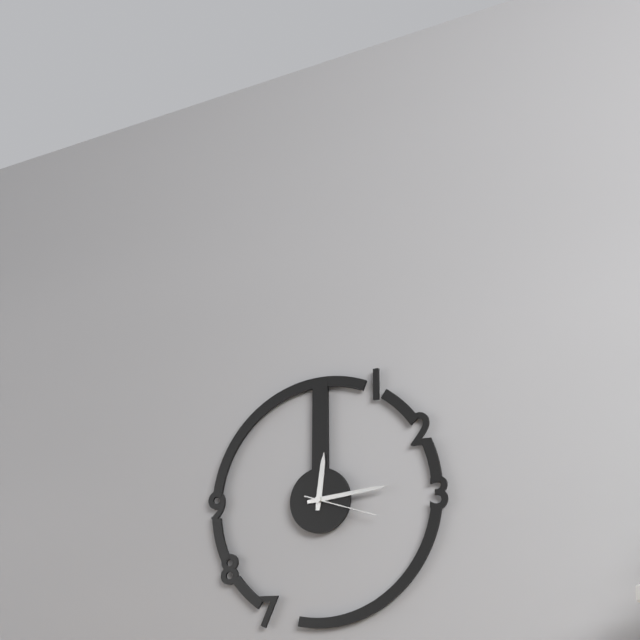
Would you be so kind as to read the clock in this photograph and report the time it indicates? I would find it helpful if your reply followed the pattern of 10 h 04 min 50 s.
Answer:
12 h 14 min 18 s
